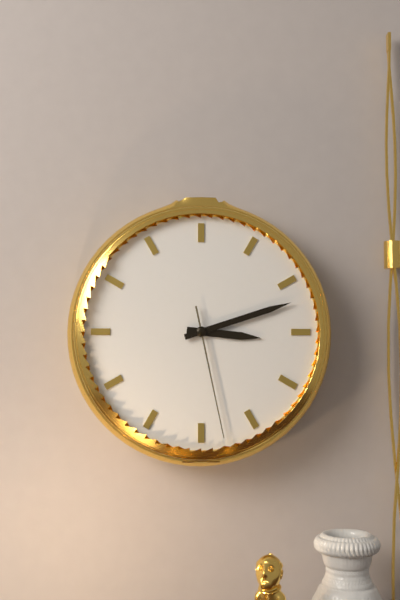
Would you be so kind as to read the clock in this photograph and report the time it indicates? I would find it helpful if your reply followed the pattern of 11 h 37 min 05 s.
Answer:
3 h 12 min 28 s
